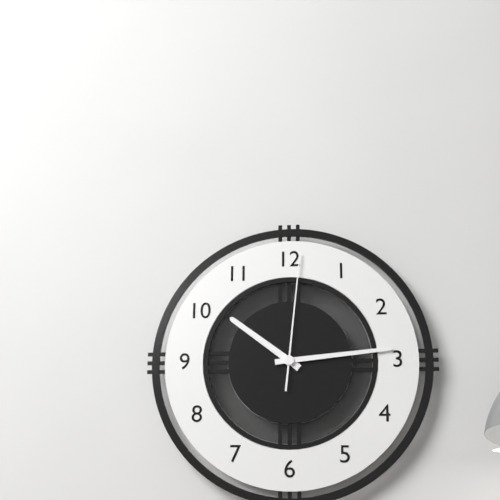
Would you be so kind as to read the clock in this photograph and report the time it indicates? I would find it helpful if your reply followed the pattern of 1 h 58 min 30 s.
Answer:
10 h 14 min 01 s
